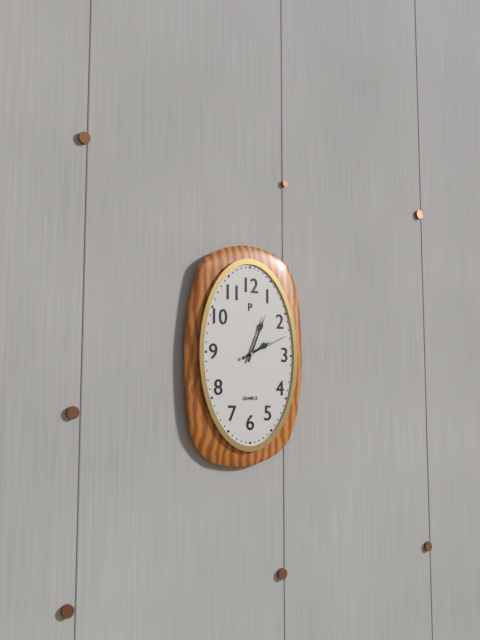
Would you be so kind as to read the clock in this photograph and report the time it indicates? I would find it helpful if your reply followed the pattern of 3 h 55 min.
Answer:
2 h 04 min
